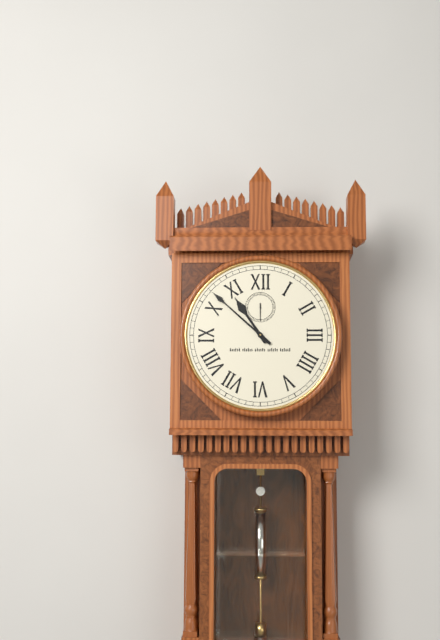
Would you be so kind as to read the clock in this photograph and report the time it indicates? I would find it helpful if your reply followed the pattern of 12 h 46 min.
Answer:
10 h 52 min
